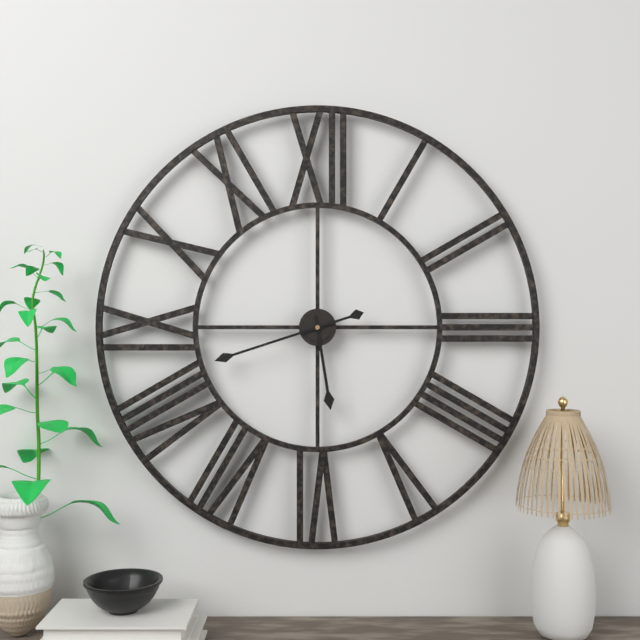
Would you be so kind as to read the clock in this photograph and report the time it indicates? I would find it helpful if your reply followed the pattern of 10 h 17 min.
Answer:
5 h 42 min
